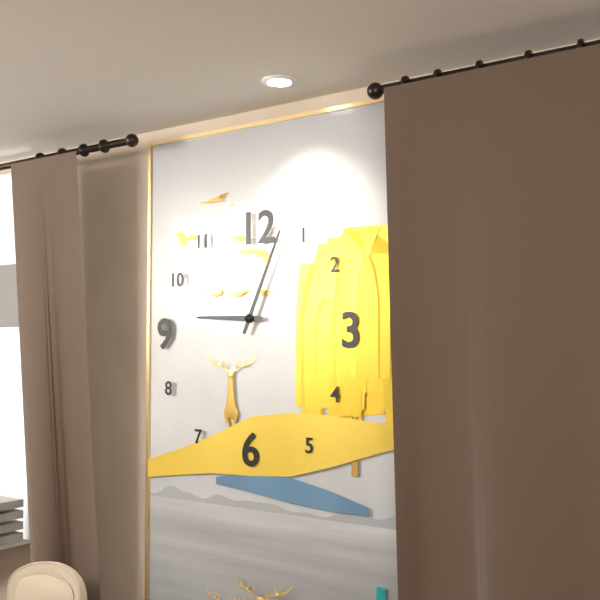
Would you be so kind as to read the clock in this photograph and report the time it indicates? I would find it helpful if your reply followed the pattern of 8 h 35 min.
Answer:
9 h 04 min
